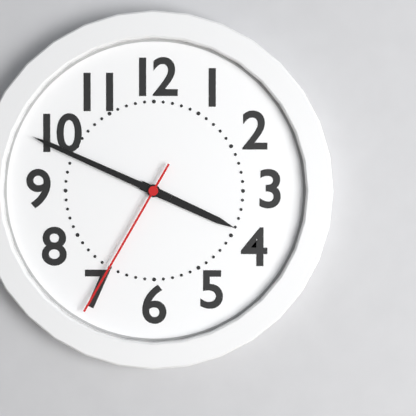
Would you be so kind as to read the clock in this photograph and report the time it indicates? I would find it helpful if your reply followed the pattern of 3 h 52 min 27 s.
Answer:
3 h 49 min 35 s
